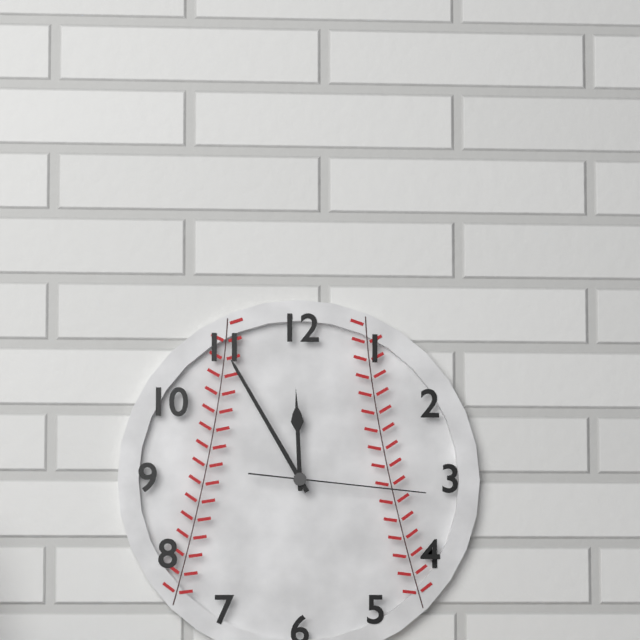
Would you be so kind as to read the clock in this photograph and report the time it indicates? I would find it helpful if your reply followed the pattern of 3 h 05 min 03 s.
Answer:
11 h 55 min 16 s
